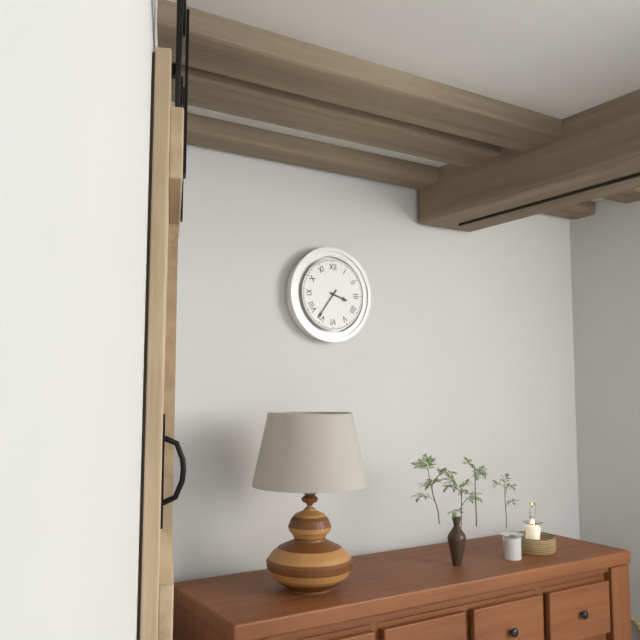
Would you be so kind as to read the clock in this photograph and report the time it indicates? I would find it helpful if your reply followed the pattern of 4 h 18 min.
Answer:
3 h 36 min
